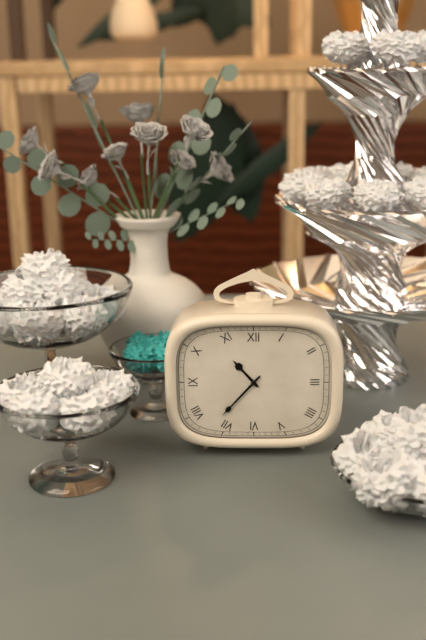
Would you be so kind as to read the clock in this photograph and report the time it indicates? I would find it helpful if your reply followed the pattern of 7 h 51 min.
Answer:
10 h 37 min
